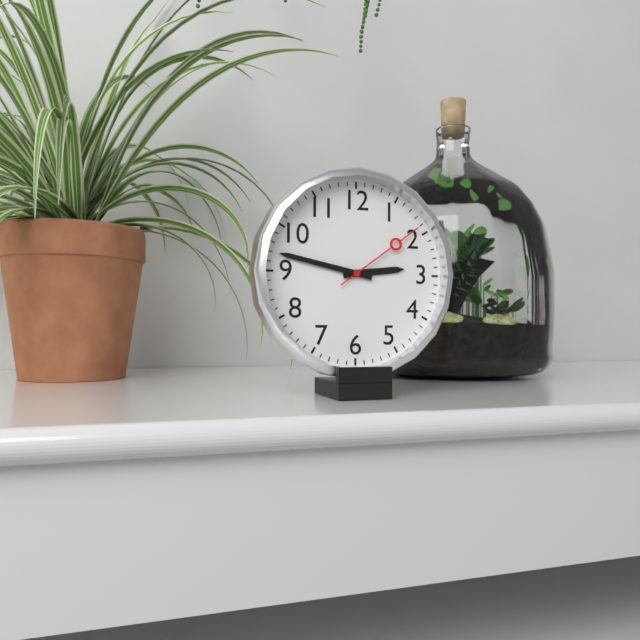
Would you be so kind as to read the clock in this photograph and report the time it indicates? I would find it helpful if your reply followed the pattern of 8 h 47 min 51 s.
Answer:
2 h 47 min 09 s
